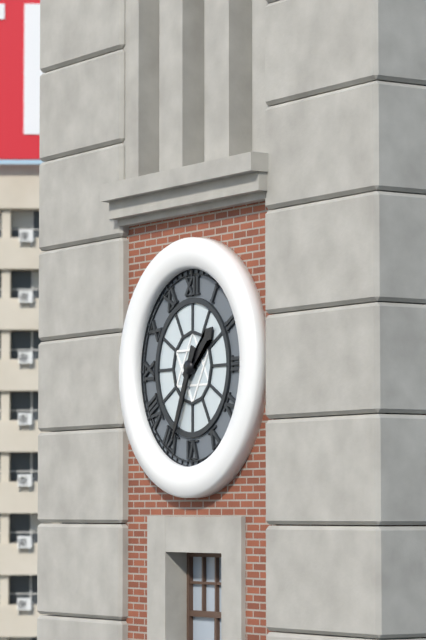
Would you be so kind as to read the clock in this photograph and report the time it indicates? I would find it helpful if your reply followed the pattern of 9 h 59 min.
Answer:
1 h 34 min
